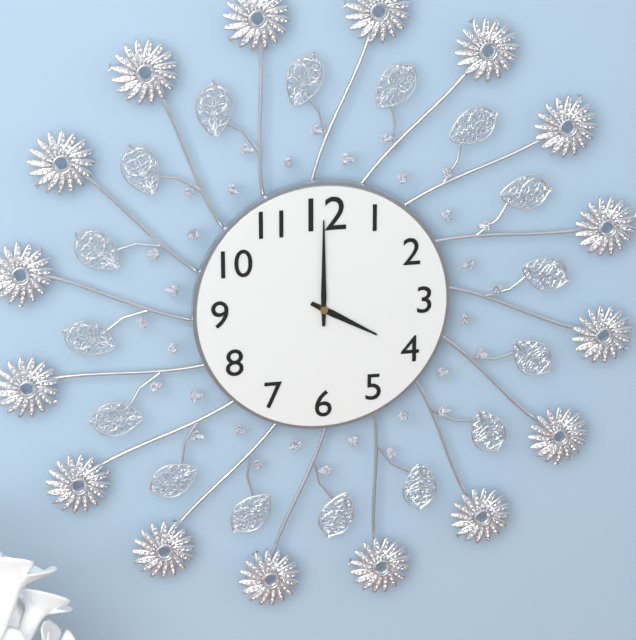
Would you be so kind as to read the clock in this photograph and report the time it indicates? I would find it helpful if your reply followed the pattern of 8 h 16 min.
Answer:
4 h 00 min
